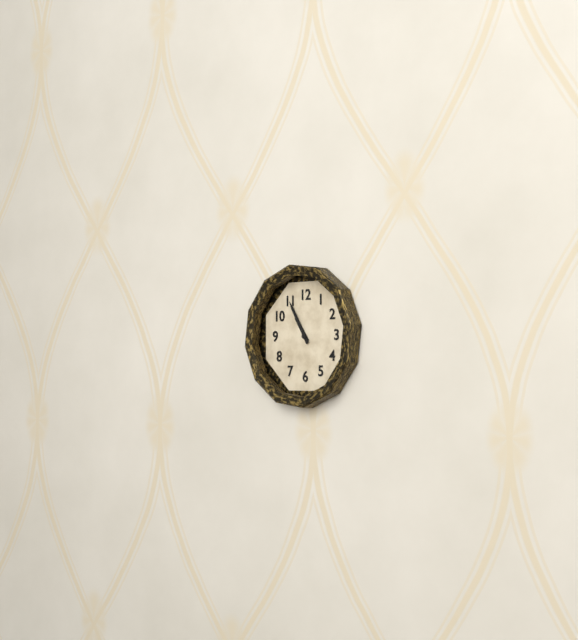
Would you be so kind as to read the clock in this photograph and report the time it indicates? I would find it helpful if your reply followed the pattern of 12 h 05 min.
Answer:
10 h 55 min
